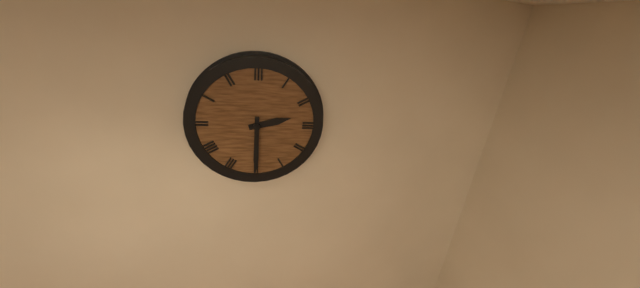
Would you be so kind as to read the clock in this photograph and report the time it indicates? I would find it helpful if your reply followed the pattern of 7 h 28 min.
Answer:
2 h 30 min
